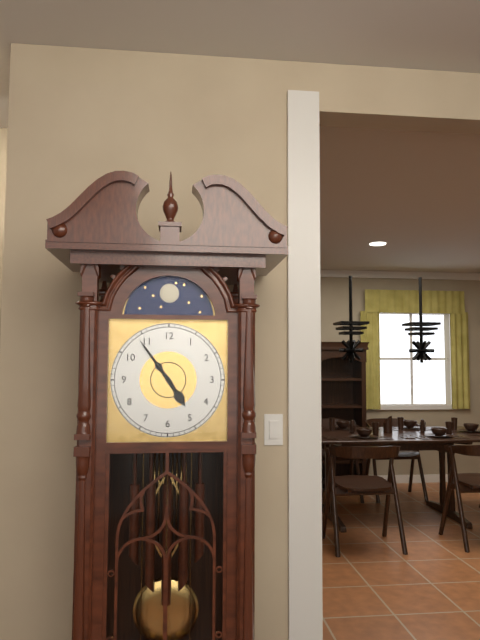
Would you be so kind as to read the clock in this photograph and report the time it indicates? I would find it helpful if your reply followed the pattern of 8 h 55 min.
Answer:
4 h 54 min
